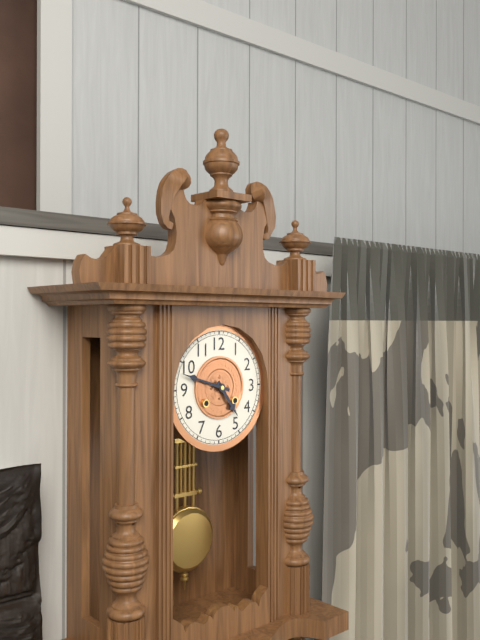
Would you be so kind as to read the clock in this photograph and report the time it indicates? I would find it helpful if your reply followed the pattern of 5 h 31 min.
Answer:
4 h 48 min
